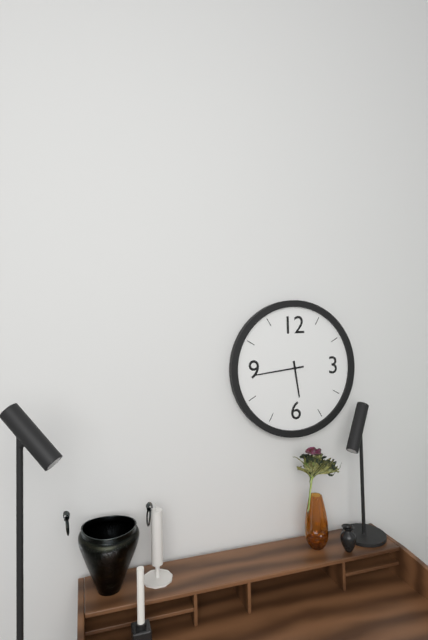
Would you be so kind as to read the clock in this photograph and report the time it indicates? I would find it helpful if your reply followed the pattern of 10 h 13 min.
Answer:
5 h 44 min
